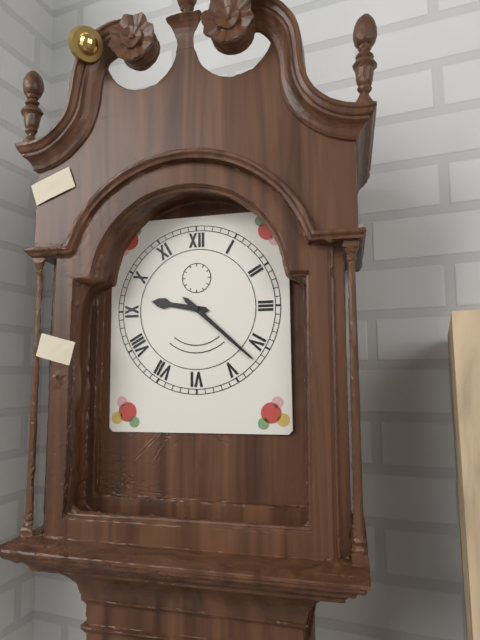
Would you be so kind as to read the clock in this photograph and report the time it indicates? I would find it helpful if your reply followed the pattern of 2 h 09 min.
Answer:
9 h 22 min
